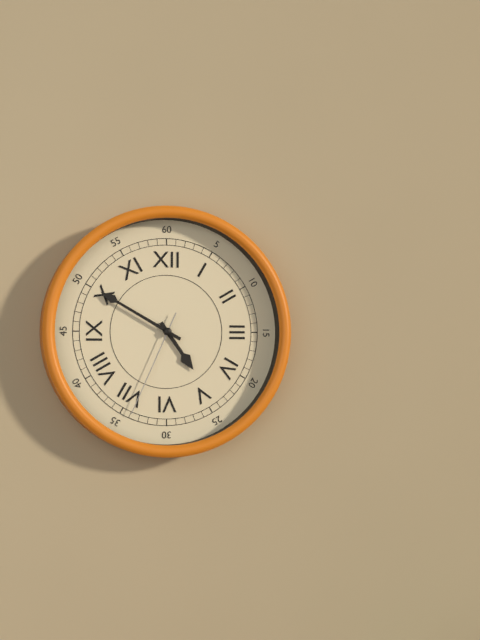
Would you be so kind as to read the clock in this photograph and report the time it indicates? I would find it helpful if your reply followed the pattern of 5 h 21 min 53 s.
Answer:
4 h 50 min 34 s
